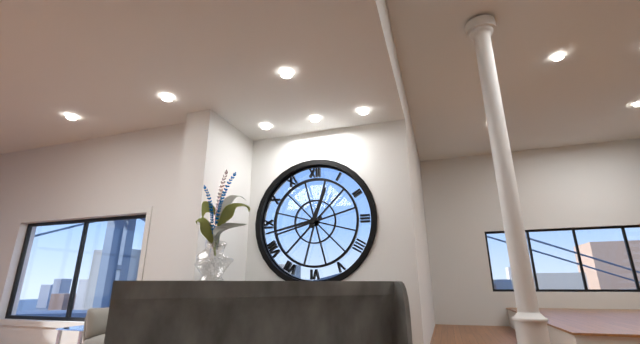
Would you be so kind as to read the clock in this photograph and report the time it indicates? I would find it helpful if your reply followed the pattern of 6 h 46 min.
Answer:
12 h 43 min
